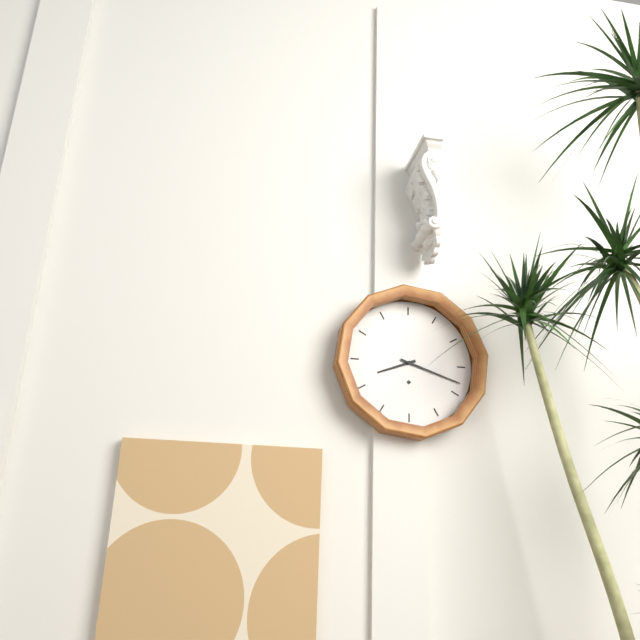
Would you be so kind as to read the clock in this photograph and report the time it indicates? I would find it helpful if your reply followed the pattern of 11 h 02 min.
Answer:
8 h 18 min
